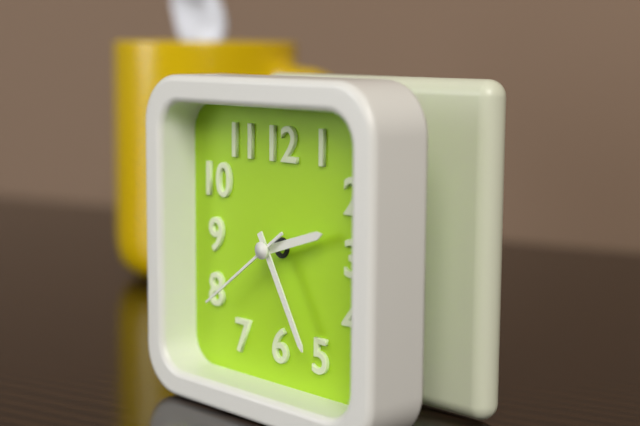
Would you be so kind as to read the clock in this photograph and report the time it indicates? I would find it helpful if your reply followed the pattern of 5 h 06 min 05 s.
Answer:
2 h 25 min 39 s
